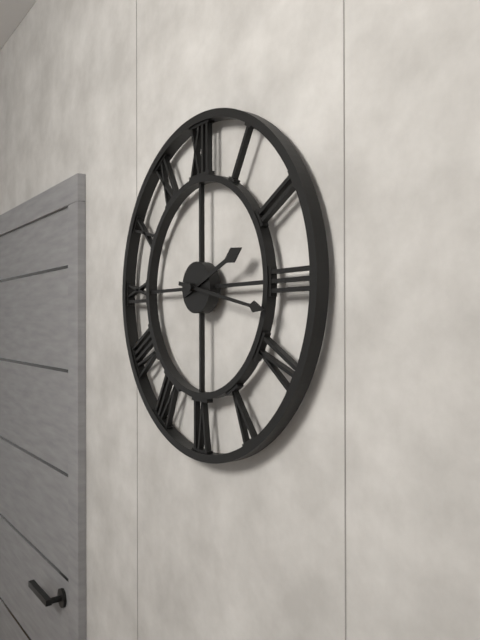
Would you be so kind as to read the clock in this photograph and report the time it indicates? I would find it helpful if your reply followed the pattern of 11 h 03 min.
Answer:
2 h 17 min
